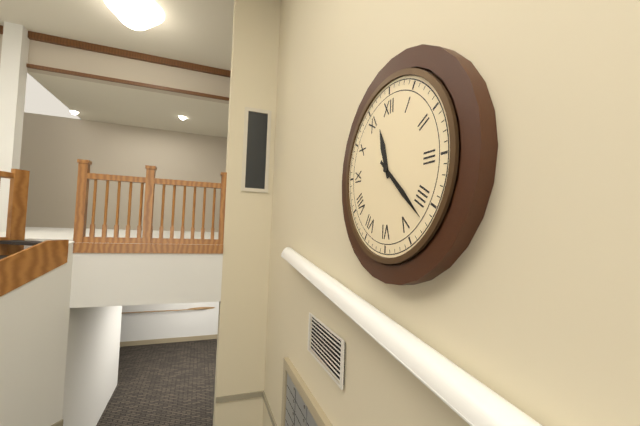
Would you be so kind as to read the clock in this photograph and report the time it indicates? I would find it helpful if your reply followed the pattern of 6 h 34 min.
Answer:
11 h 22 min
